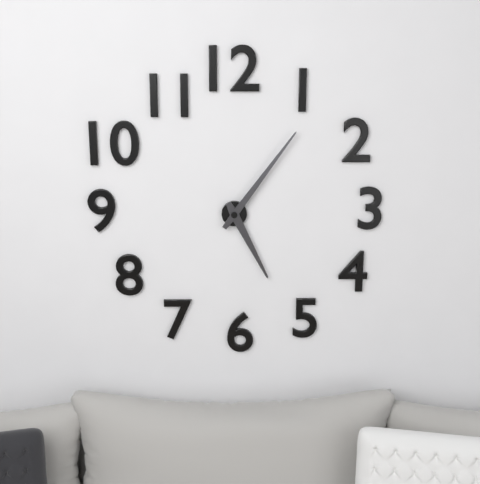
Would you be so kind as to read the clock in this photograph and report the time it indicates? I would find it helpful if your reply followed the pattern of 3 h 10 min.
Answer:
5 h 06 min
